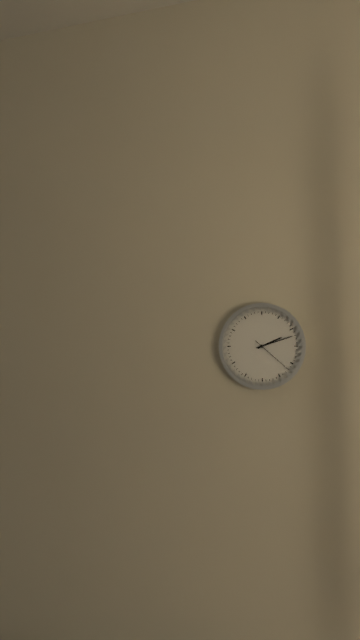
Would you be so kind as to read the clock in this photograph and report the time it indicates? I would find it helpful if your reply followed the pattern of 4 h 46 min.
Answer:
2 h 12 min
